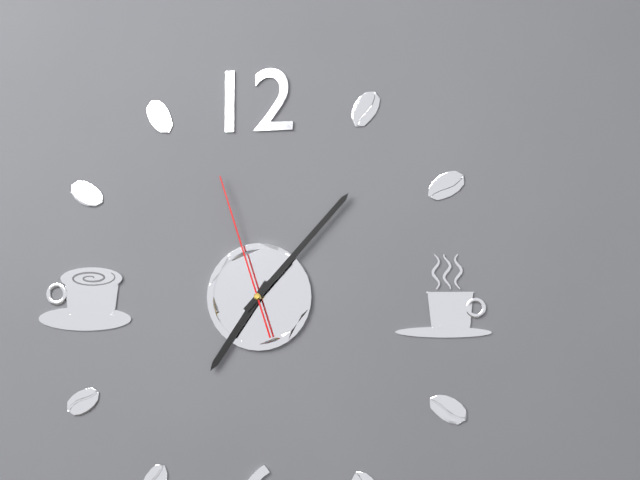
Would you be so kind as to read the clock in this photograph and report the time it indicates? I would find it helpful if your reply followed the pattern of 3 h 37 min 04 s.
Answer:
7 h 07 min 57 s
